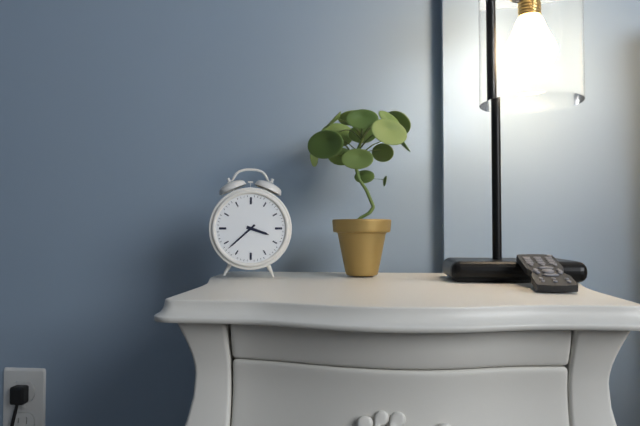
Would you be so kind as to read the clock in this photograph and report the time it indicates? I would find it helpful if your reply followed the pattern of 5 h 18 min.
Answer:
3 h 38 min
